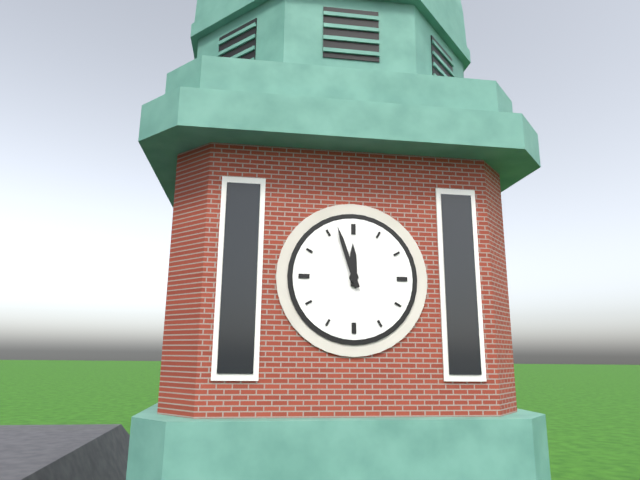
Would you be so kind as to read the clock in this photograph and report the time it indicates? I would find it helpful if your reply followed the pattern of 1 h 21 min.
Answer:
11 h 57 min
